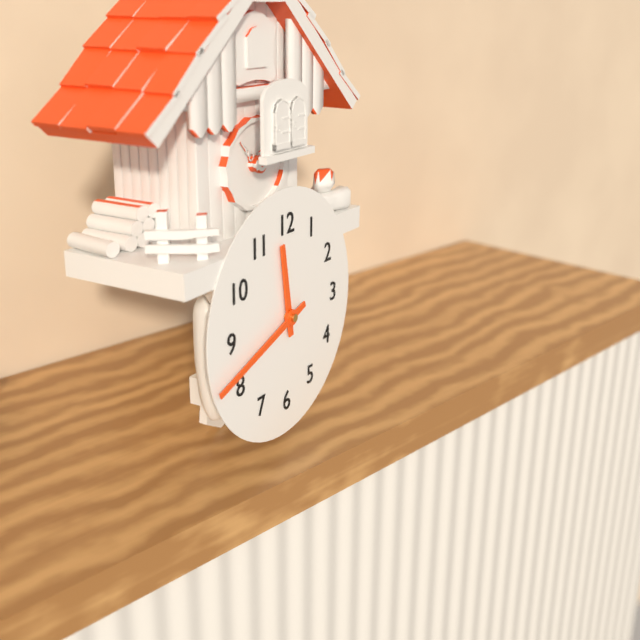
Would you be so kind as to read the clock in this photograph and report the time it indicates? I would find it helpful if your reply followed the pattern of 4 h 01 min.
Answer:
11 h 42 min
